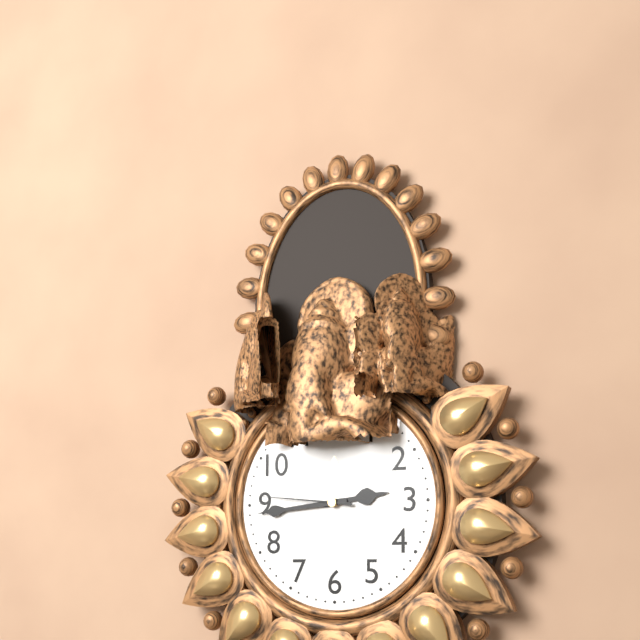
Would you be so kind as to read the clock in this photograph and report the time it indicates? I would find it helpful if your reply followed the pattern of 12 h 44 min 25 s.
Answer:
2 h 44 min 46 s
